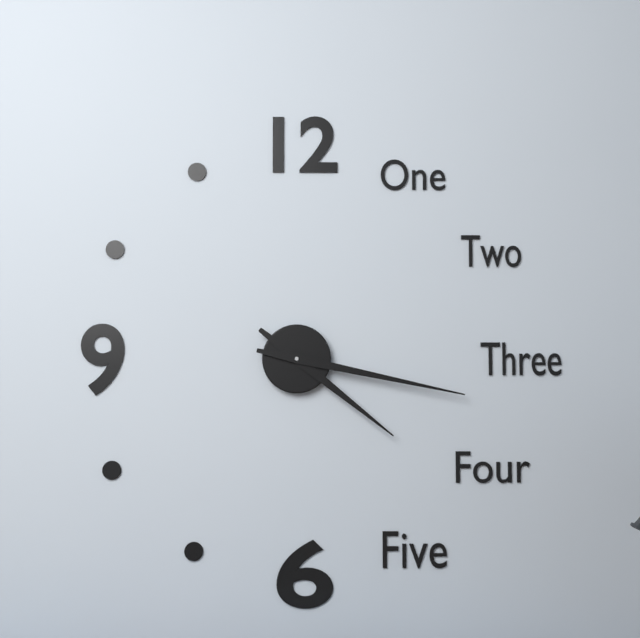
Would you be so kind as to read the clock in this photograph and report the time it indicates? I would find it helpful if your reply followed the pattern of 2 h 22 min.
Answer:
4 h 17 min
